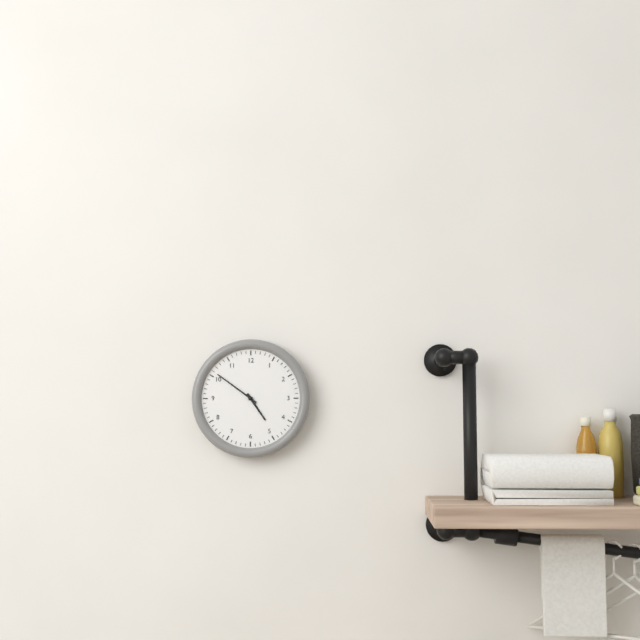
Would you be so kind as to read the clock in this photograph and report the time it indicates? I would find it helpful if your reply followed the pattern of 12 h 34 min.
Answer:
4 h 51 min
